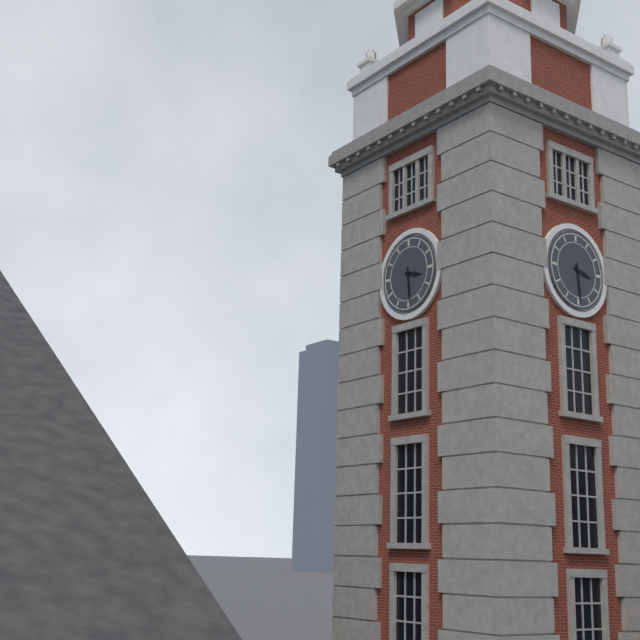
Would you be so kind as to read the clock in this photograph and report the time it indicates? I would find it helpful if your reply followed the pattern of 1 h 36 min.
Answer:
3 h 29 min
